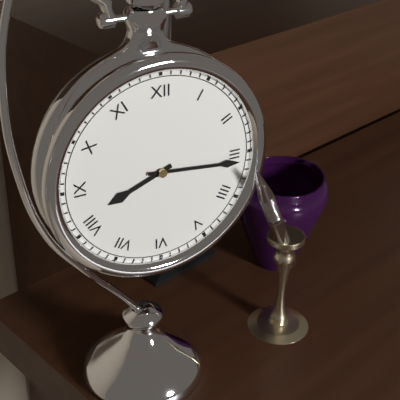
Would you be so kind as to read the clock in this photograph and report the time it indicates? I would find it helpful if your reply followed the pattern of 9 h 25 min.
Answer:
8 h 16 min
